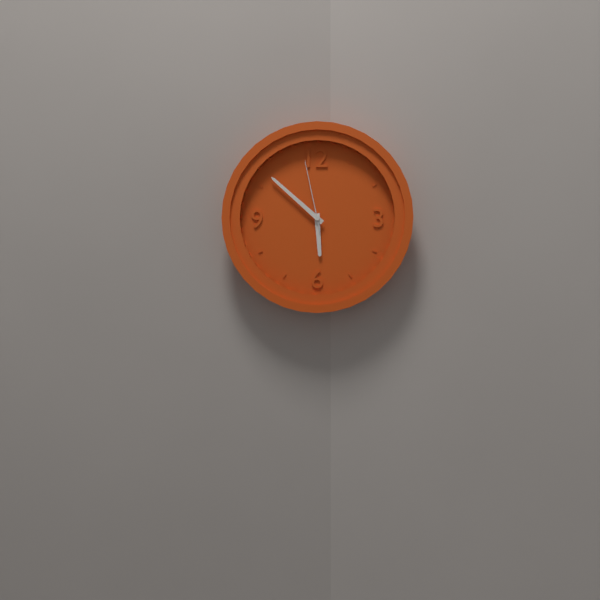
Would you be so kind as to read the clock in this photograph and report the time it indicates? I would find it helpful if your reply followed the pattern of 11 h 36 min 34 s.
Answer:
5 h 52 min 58 s
